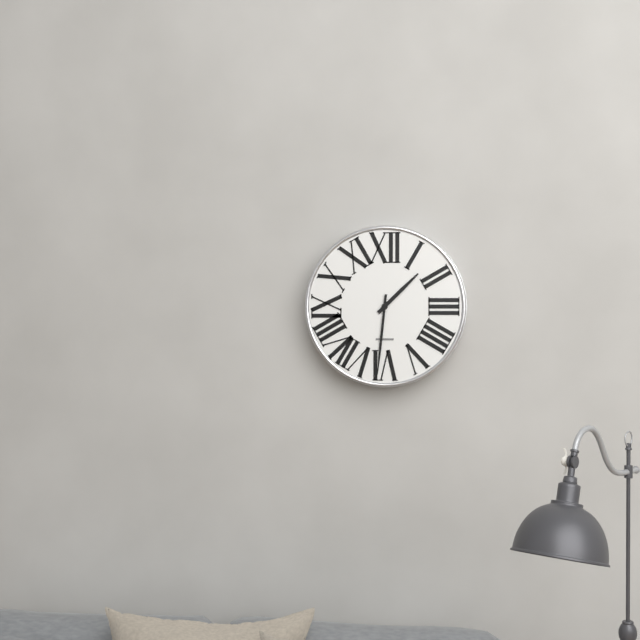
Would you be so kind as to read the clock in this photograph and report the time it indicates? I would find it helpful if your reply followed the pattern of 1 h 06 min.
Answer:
1 h 31 min
